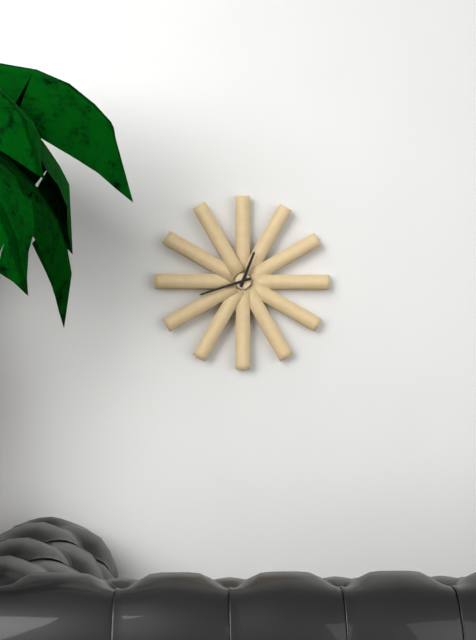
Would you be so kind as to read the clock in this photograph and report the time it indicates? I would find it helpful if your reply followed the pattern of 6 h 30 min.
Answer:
12 h 42 min
